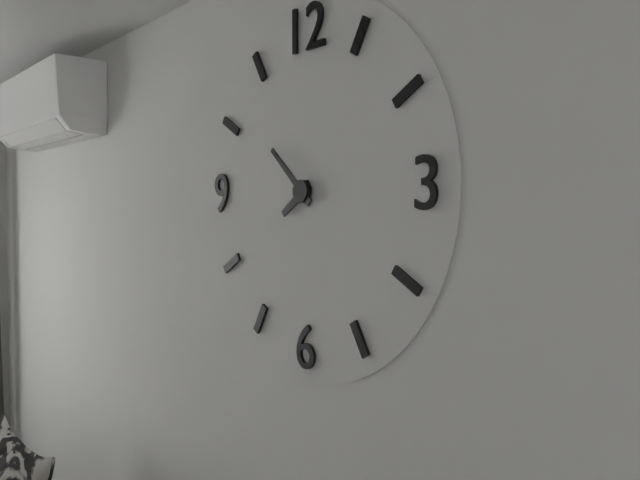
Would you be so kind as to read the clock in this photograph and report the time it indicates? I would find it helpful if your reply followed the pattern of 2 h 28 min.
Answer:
7 h 52 min
